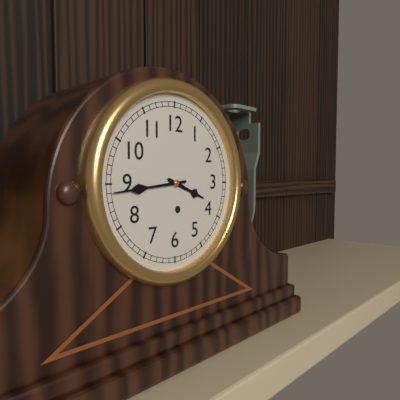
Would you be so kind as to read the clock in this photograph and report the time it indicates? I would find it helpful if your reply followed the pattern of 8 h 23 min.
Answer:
3 h 44 min
